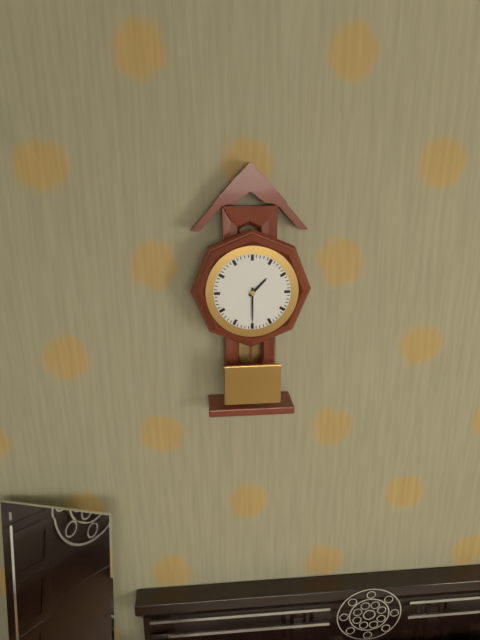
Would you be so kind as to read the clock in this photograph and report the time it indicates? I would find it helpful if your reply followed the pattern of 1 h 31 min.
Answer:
1 h 30 min
